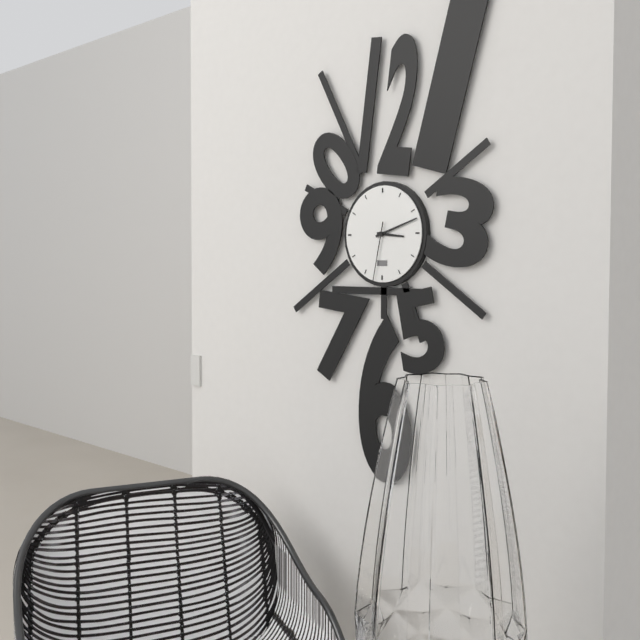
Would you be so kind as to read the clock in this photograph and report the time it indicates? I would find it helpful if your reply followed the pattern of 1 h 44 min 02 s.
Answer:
3 h 12 min 32 s
